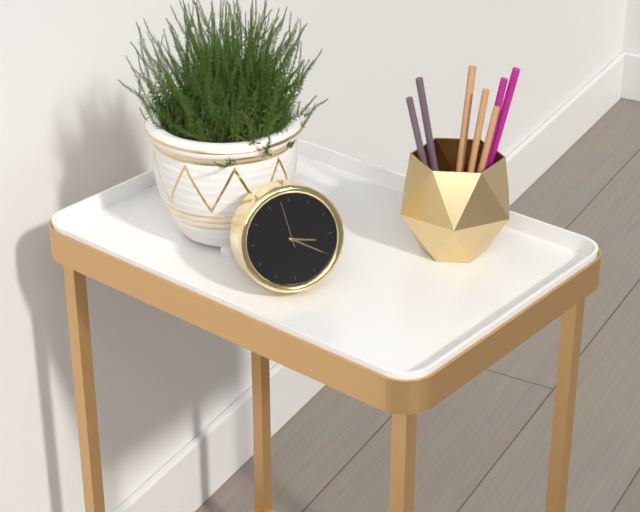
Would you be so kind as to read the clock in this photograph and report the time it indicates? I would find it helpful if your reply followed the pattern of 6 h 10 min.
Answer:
3 h 20 min
